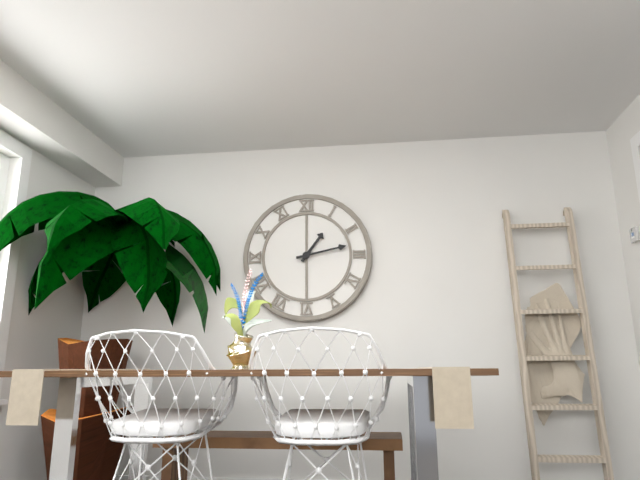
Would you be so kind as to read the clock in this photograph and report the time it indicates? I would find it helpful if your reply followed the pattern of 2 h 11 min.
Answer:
1 h 13 min
